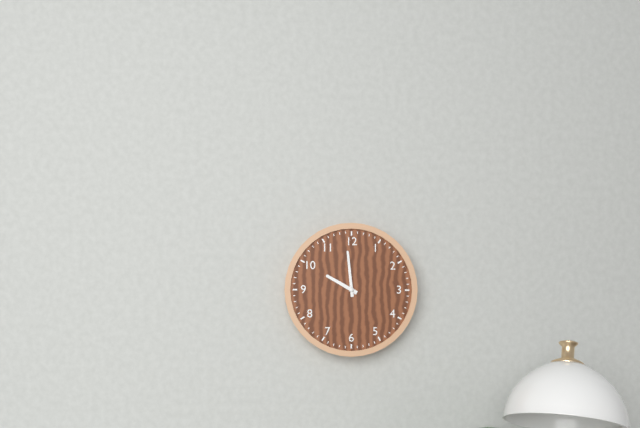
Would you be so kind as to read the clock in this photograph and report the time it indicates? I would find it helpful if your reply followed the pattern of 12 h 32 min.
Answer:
9 h 59 min
